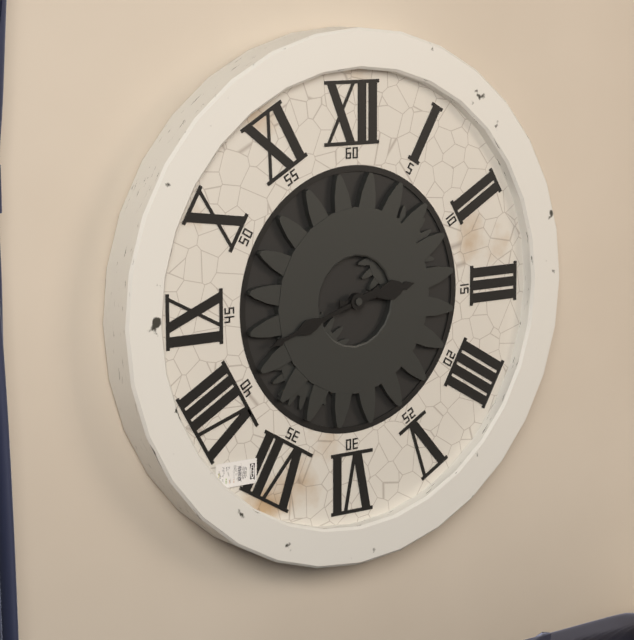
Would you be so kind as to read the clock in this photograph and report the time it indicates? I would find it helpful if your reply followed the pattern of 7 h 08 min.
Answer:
2 h 42 min
